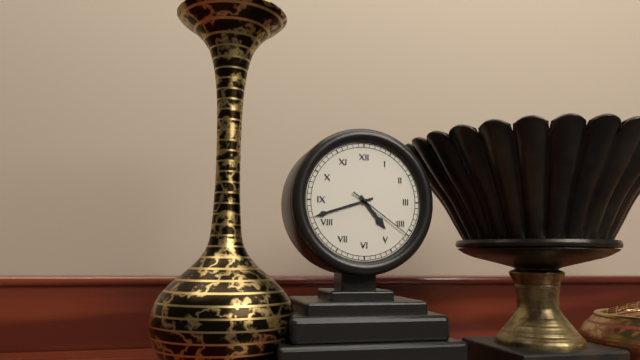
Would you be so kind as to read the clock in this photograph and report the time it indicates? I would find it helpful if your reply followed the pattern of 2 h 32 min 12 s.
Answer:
4 h 42 min 21 s
